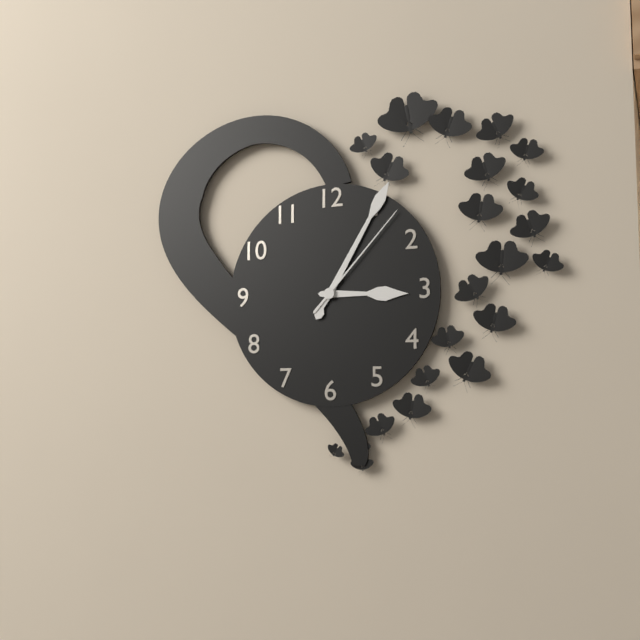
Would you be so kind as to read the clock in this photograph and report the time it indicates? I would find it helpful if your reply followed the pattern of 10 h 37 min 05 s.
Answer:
3 h 05 min 07 s
